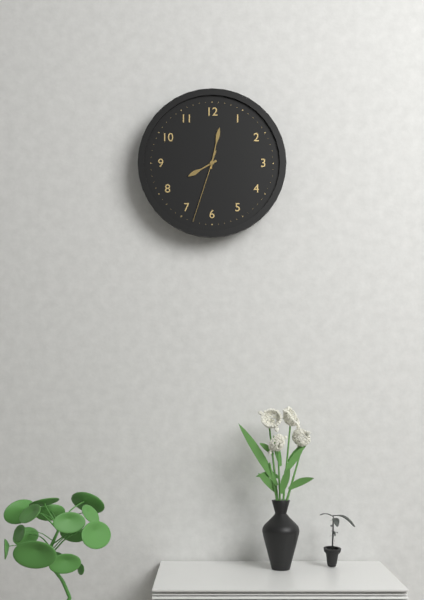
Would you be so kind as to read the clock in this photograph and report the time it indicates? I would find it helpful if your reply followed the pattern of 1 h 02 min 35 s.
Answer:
8 h 02 min 33 s
